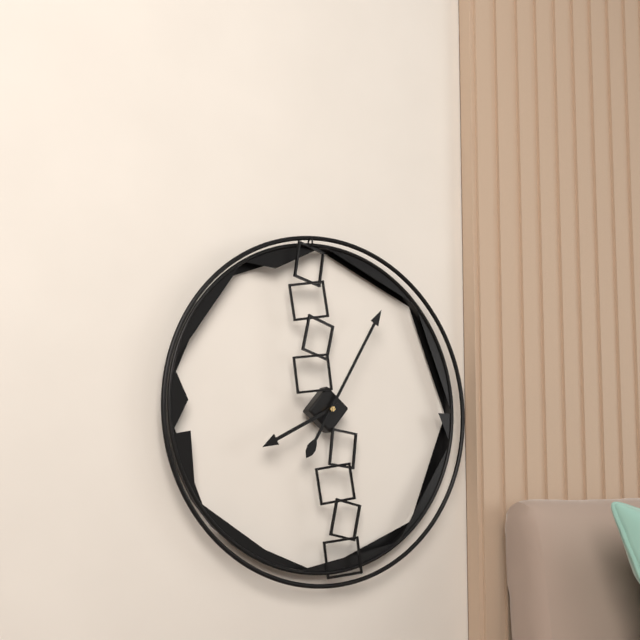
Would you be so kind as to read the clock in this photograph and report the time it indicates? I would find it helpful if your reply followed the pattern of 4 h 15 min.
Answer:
8 h 05 min
